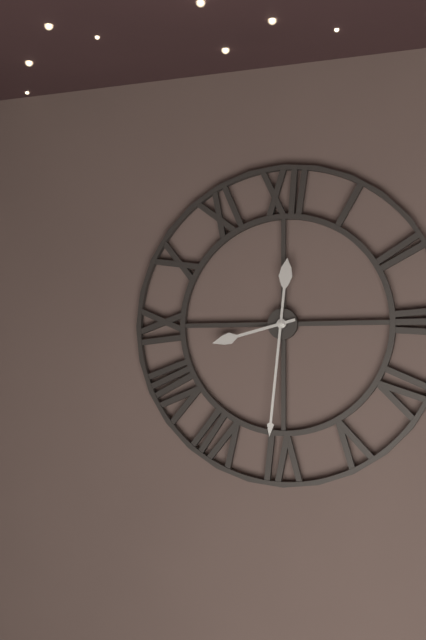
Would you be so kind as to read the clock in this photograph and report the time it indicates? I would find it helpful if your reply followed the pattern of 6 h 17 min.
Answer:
8 h 31 min
